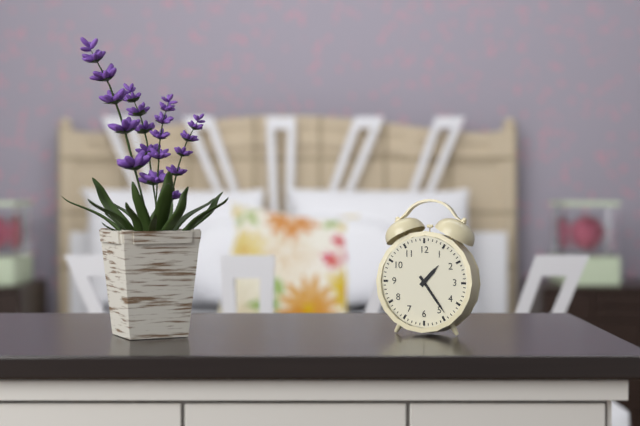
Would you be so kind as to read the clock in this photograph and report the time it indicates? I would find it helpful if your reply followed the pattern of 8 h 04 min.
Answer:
1 h 24 min
